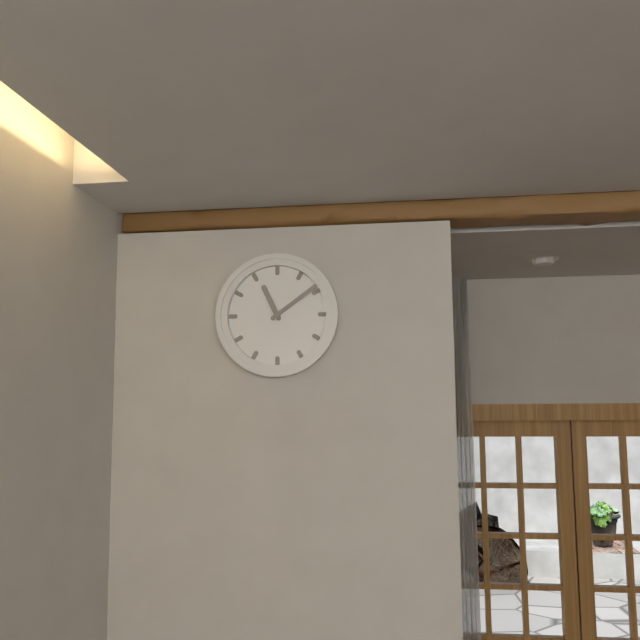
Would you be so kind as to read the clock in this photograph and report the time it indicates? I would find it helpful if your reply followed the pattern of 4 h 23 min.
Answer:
11 h 09 min
